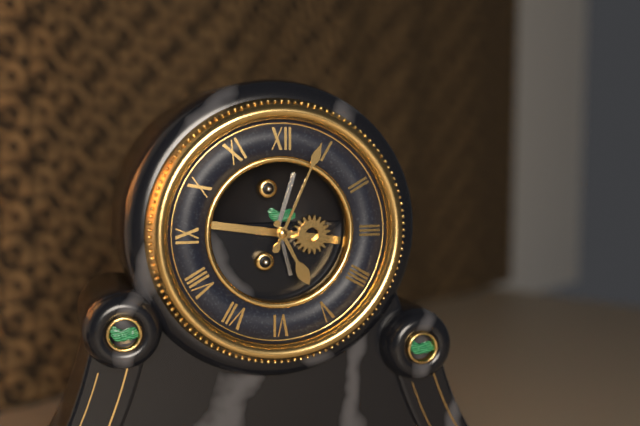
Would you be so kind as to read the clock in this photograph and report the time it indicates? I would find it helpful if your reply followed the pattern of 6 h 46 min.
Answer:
5 h 04 min
